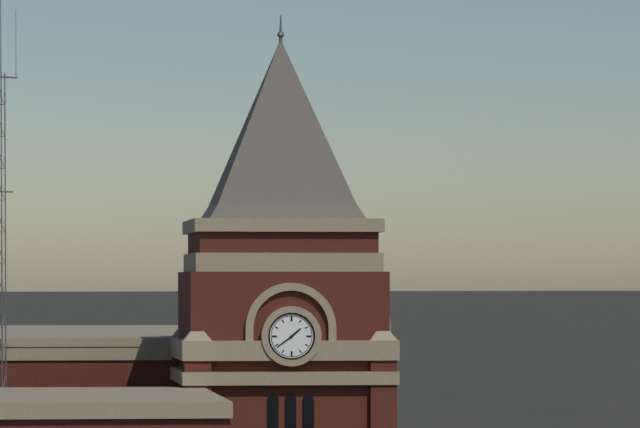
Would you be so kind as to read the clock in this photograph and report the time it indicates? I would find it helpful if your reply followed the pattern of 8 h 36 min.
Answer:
1 h 39 min
